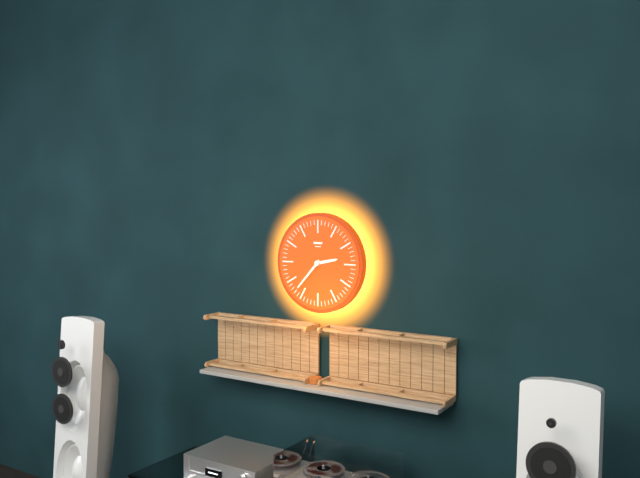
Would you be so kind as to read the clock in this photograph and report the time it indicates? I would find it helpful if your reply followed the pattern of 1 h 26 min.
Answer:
2 h 37 min
